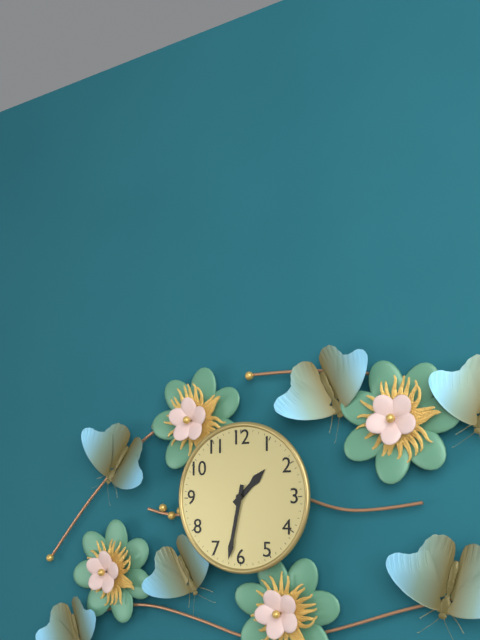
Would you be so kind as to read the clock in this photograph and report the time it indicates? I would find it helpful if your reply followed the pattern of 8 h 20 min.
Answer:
1 h 32 min
